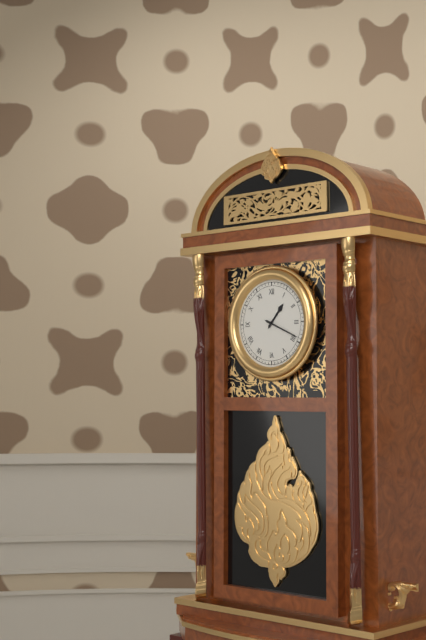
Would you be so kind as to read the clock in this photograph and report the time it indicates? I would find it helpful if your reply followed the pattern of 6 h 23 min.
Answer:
1 h 19 min
